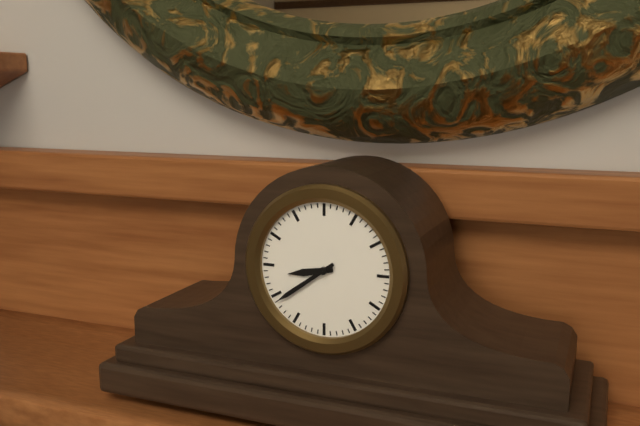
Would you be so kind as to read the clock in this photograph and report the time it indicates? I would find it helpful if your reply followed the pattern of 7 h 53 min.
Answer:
8 h 39 min
